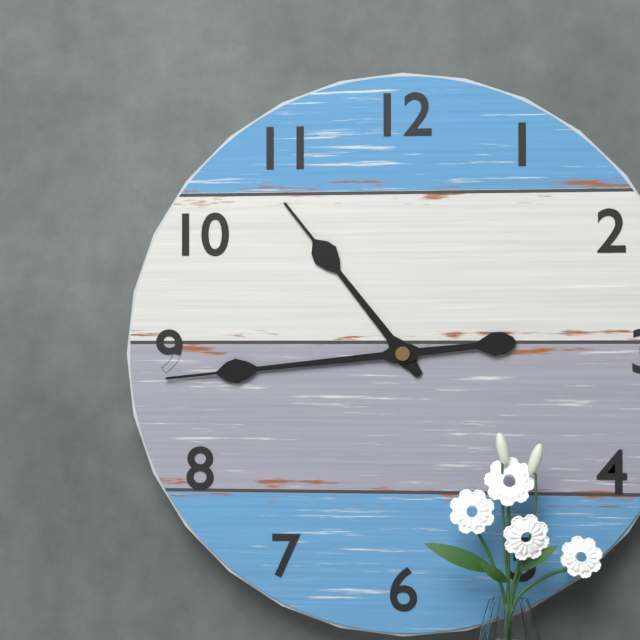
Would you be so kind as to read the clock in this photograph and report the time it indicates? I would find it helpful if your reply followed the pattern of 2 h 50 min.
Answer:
10 h 44 min
